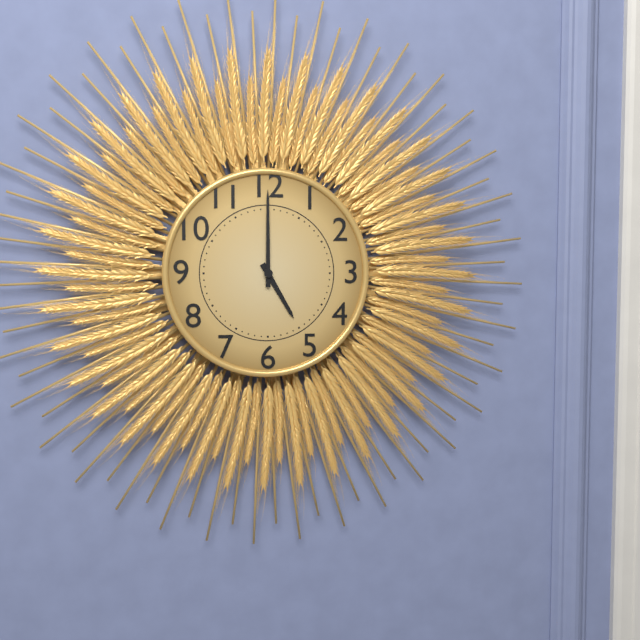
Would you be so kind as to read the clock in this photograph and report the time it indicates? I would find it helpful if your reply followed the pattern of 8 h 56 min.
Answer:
5 h 00 min
